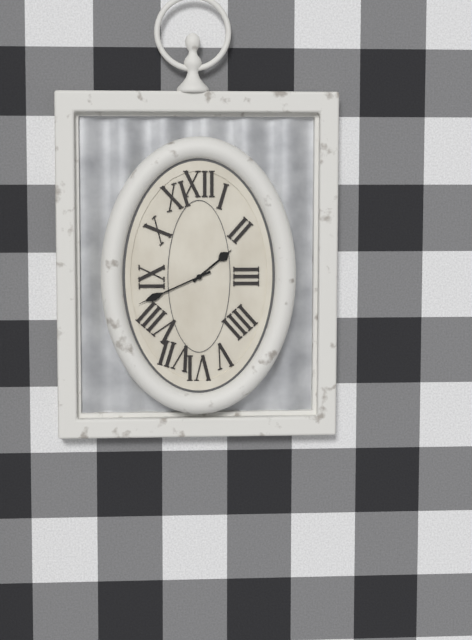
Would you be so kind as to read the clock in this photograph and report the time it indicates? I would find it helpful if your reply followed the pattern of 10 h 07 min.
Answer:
1 h 41 min
